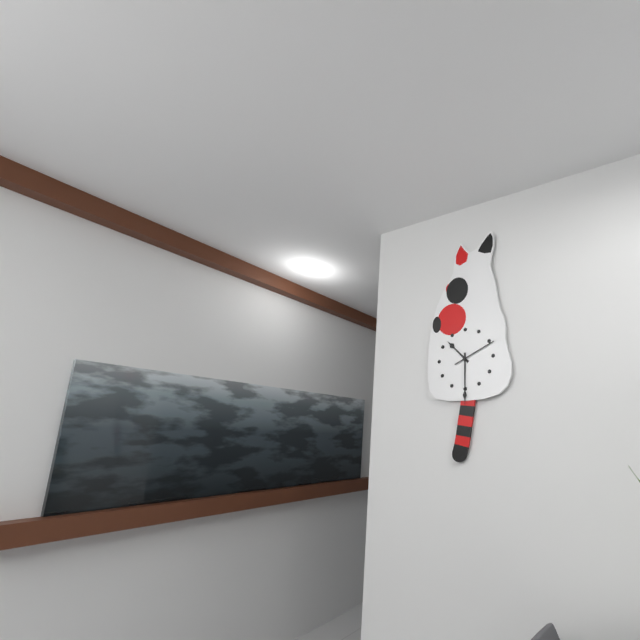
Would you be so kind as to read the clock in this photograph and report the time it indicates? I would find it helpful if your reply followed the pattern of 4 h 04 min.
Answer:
10 h 30 min
